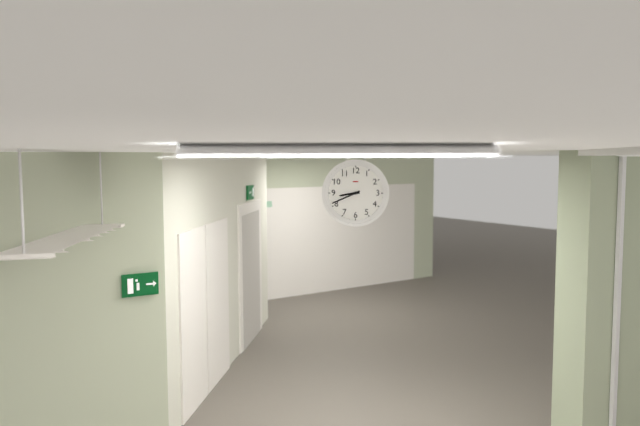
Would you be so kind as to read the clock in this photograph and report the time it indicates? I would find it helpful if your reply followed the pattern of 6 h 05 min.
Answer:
8 h 41 min
